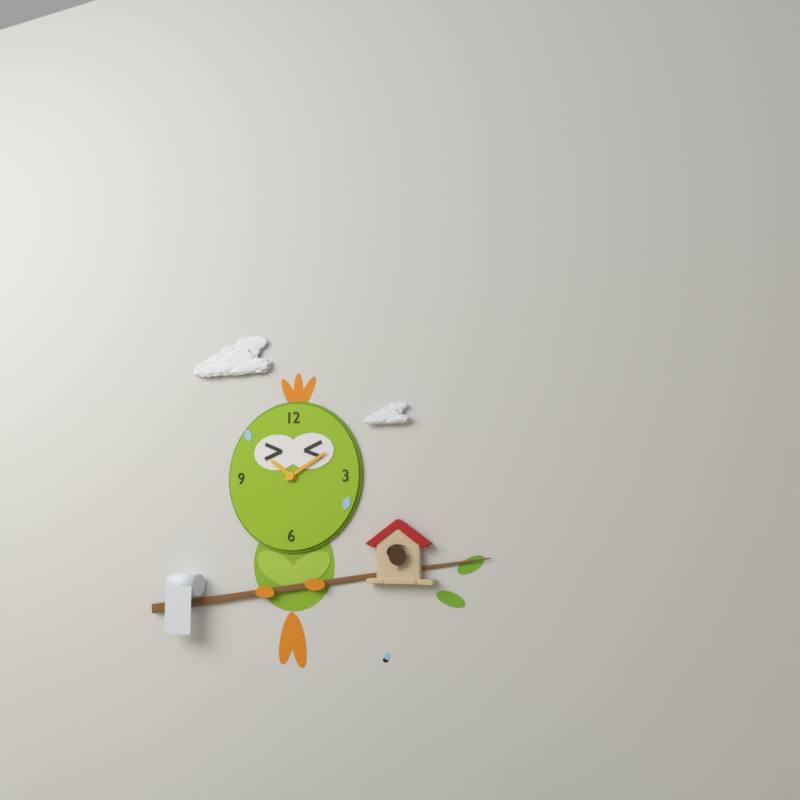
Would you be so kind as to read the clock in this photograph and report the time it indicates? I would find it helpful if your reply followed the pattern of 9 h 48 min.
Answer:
10 h 10 min
